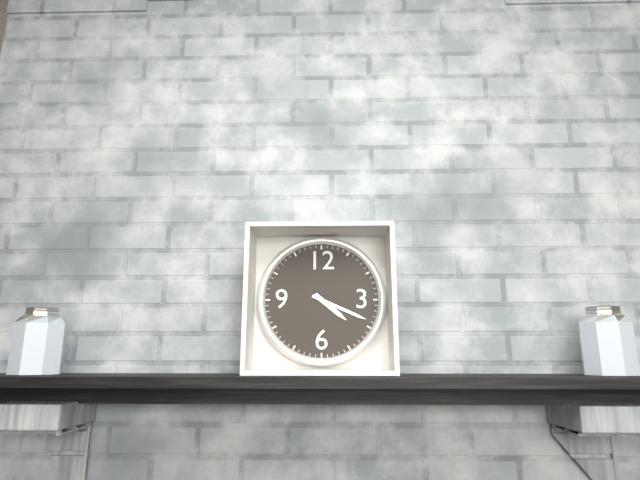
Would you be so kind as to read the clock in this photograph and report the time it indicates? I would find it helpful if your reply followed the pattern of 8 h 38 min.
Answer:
4 h 19 min
